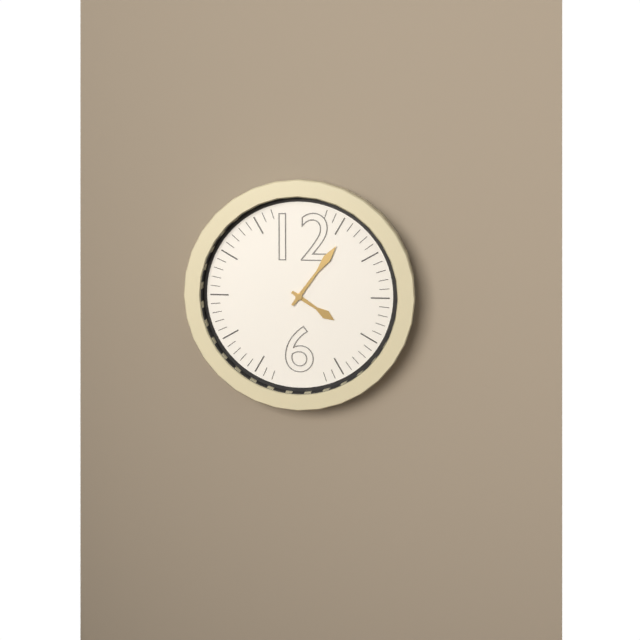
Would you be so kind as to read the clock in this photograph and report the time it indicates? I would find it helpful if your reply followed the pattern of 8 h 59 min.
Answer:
4 h 06 min
